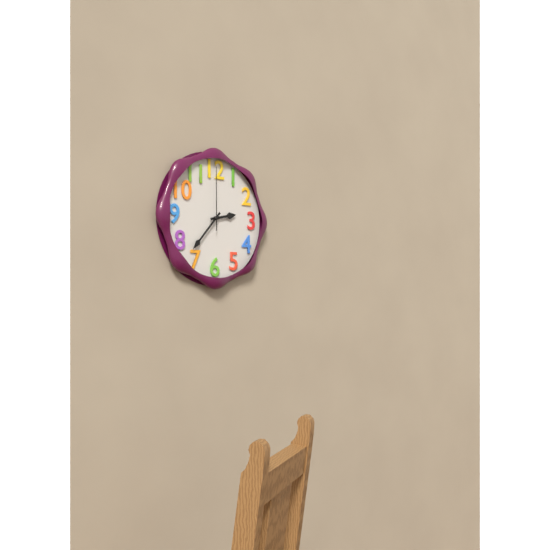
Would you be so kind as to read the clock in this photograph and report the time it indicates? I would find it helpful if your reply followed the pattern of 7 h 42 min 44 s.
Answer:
2 h 37 min 00 s
